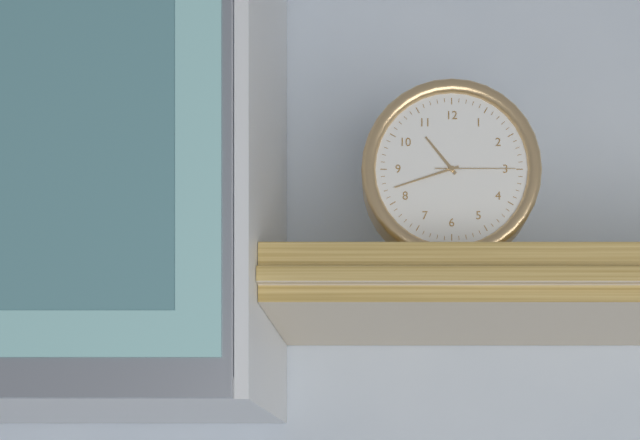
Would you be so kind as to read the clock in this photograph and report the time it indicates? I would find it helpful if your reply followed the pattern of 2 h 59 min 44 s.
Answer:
10 h 42 min 15 s
